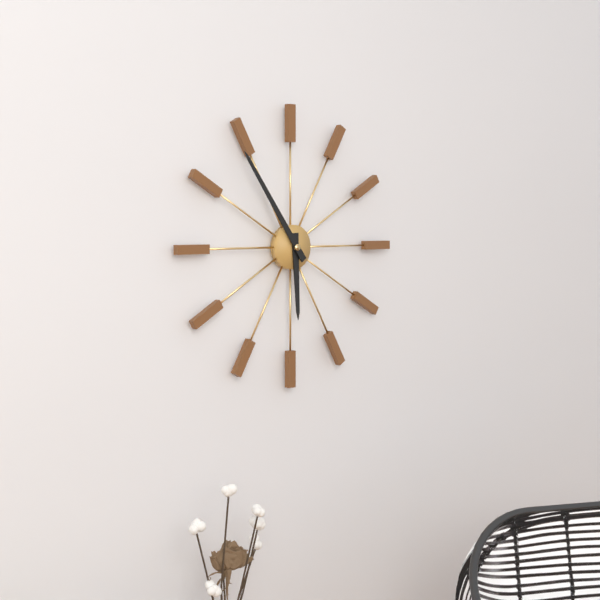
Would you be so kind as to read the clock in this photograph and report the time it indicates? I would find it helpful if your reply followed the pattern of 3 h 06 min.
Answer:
5 h 54 min
